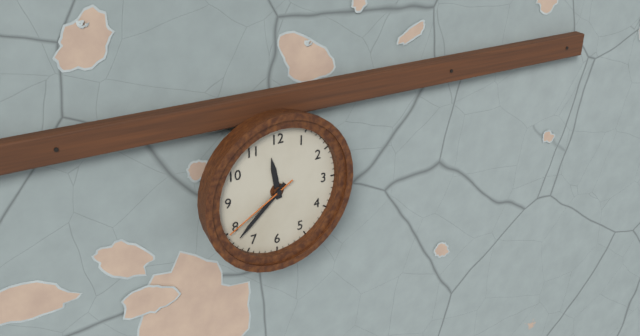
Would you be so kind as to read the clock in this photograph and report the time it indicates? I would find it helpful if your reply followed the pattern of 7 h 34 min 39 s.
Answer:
11 h 38 min 40 s
